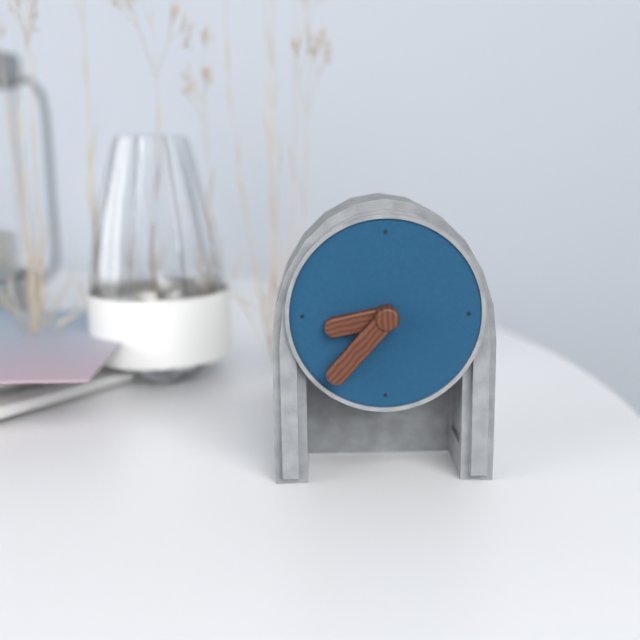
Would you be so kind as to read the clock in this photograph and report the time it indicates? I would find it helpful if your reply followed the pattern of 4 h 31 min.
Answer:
8 h 37 min
